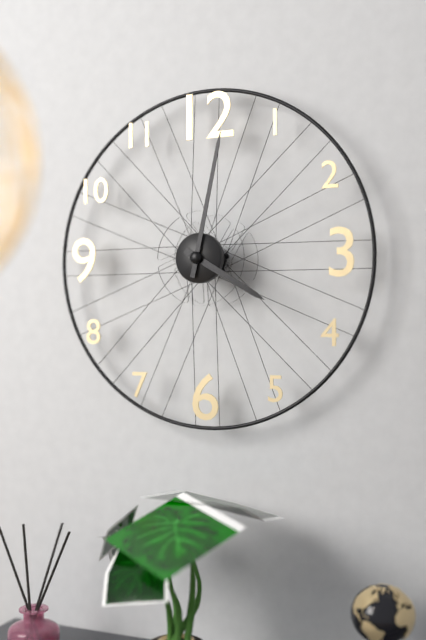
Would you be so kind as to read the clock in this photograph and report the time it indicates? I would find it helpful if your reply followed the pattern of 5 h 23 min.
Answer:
4 h 02 min
